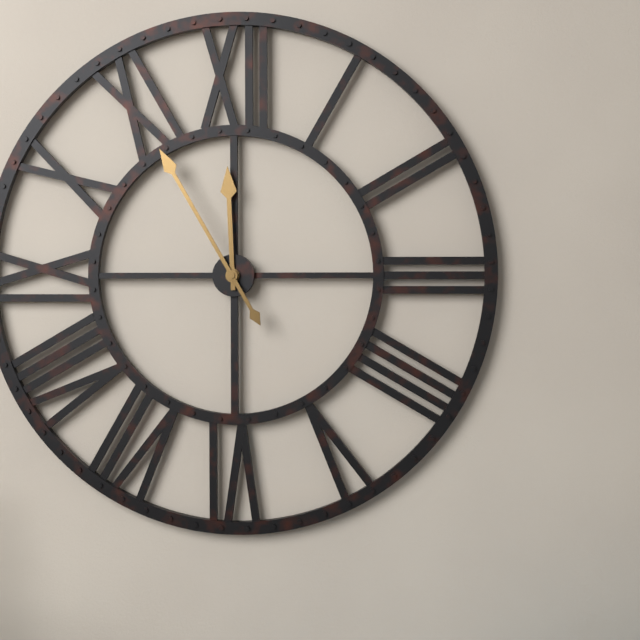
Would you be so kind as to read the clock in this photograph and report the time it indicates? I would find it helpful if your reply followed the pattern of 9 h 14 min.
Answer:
11 h 55 min
